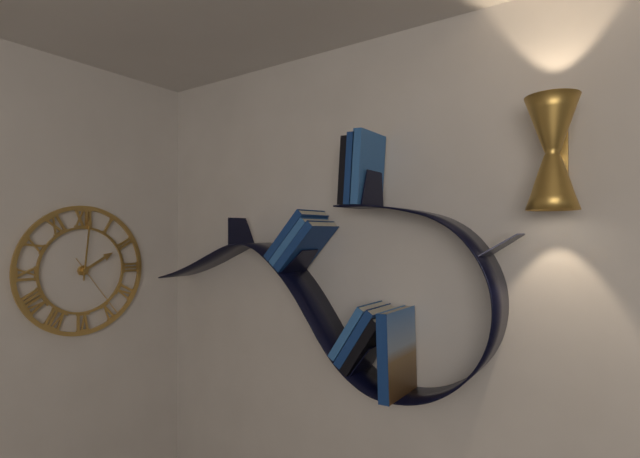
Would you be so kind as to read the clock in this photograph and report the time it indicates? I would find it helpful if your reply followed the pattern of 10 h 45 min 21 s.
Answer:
2 h 01 min 24 s
